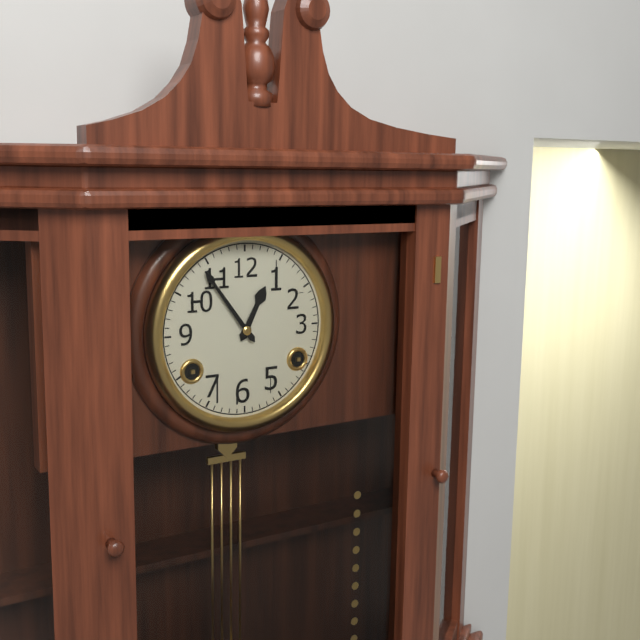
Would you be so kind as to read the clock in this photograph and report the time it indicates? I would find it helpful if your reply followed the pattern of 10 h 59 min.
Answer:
12 h 54 min
